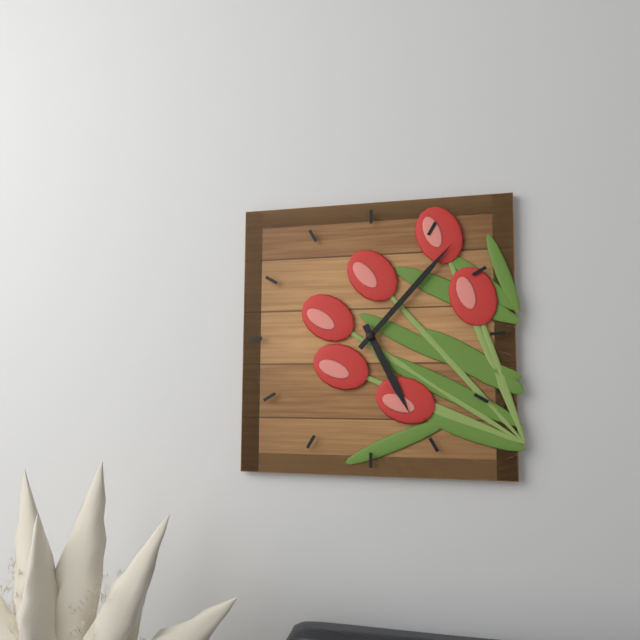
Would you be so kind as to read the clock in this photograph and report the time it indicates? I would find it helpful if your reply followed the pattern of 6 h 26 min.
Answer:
5 h 07 min
